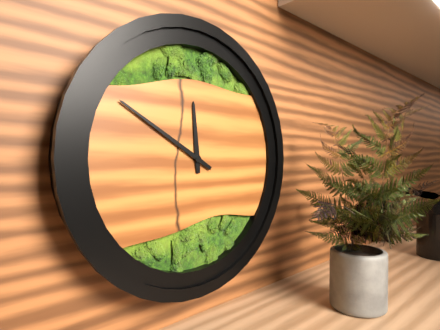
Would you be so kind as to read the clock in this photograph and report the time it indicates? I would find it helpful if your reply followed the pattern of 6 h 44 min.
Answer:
11 h 50 min
